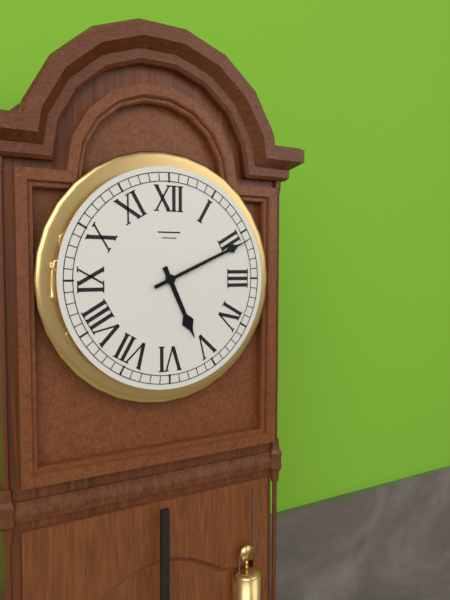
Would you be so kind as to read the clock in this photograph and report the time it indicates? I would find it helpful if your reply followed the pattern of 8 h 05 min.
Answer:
5 h 11 min
